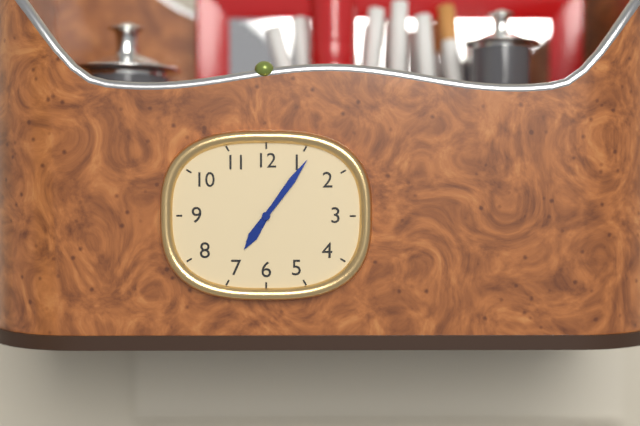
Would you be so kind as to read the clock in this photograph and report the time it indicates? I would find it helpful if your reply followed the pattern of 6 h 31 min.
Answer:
7 h 06 min
